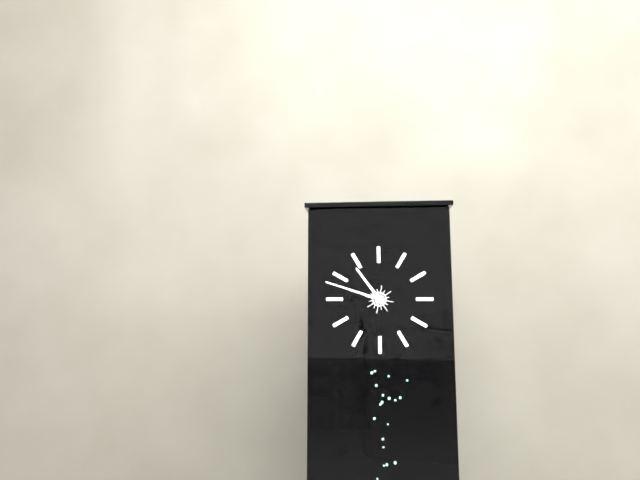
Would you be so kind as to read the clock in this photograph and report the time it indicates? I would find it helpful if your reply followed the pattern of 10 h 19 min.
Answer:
10 h 48 min
